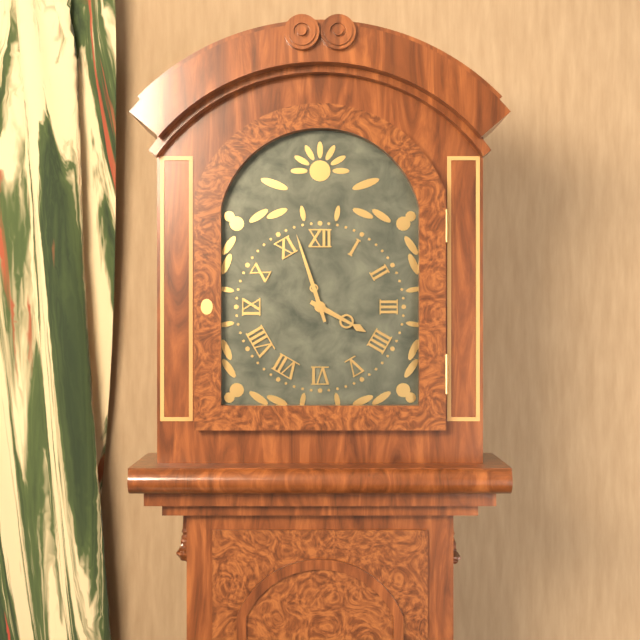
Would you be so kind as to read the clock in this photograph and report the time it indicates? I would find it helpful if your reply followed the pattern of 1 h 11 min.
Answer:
3 h 57 min
